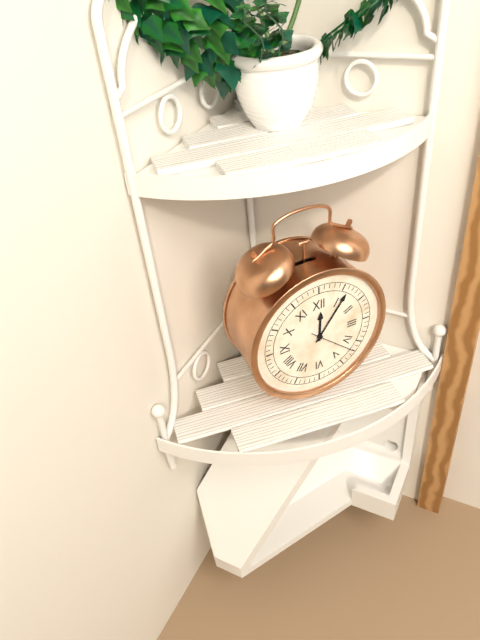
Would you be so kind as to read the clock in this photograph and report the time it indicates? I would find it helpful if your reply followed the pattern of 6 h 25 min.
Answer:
12 h 06 min
